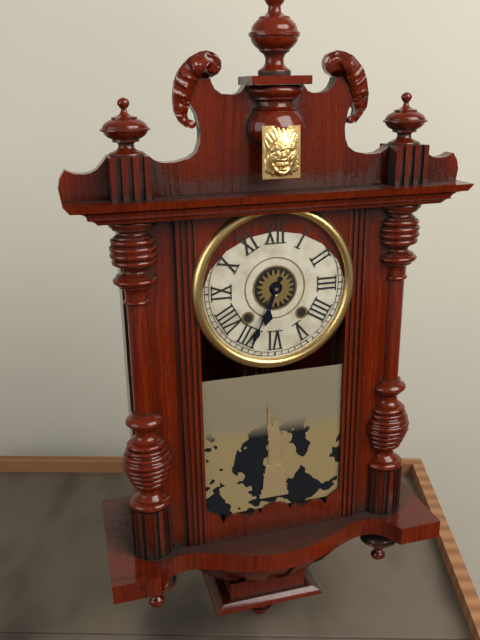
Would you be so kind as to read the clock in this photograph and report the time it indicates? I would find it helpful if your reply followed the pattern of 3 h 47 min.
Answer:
6 h 34 min
